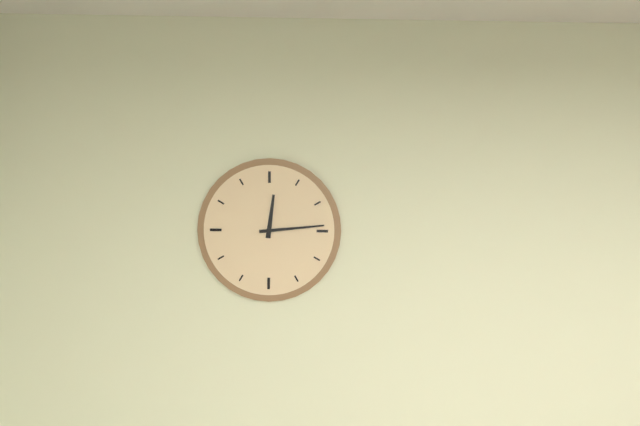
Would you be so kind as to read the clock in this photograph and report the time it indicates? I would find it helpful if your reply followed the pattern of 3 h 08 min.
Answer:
12 h 14 min
